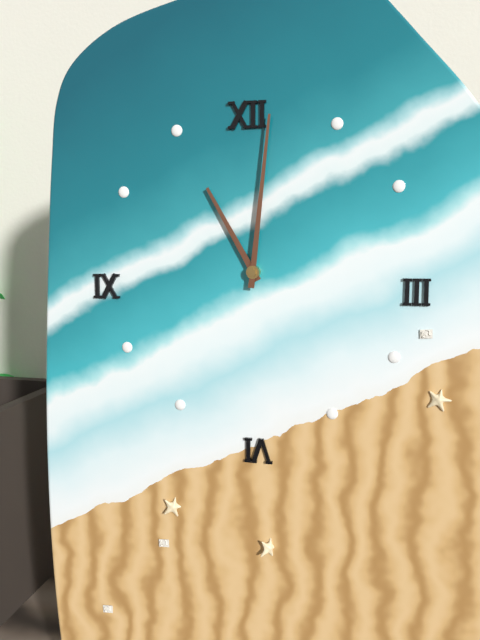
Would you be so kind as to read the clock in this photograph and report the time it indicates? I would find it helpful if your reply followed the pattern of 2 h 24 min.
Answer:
11 h 01 min
